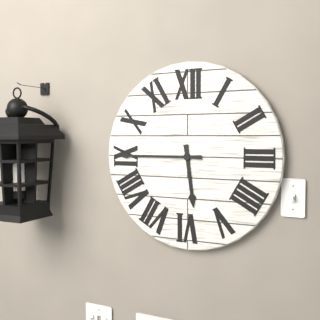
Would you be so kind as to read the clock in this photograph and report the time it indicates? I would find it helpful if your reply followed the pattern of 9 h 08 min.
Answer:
5 h 45 min
